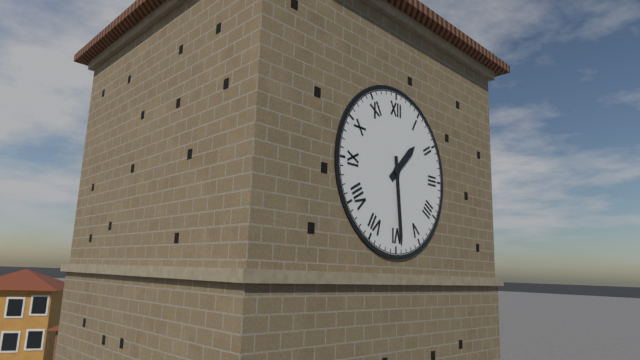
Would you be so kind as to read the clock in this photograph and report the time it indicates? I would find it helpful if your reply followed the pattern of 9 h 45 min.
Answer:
1 h 29 min
